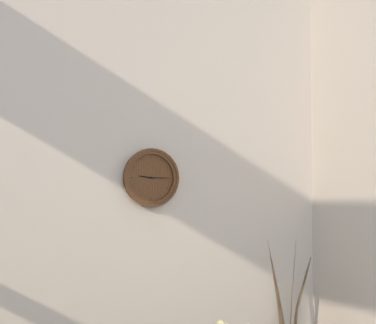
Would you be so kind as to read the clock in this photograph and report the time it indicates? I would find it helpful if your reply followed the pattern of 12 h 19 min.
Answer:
9 h 15 min
